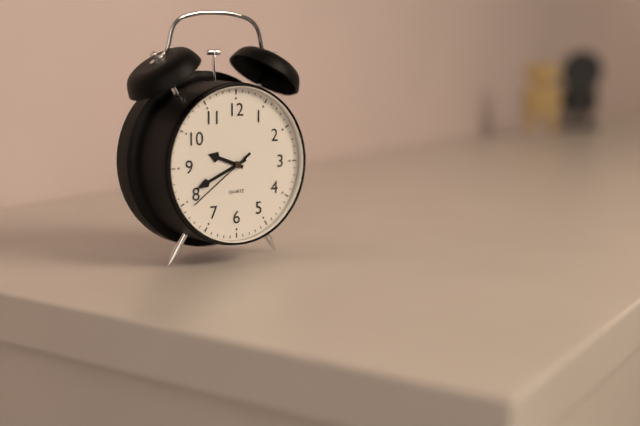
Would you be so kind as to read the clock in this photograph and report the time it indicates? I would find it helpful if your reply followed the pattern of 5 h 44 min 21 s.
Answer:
9 h 41 min 39 s
